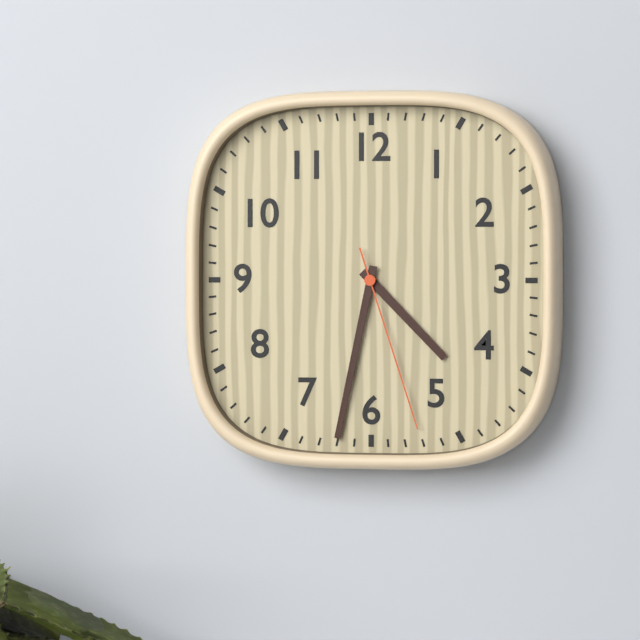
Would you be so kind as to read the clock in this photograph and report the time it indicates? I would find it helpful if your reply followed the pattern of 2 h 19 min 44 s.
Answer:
4 h 32 min 27 s
